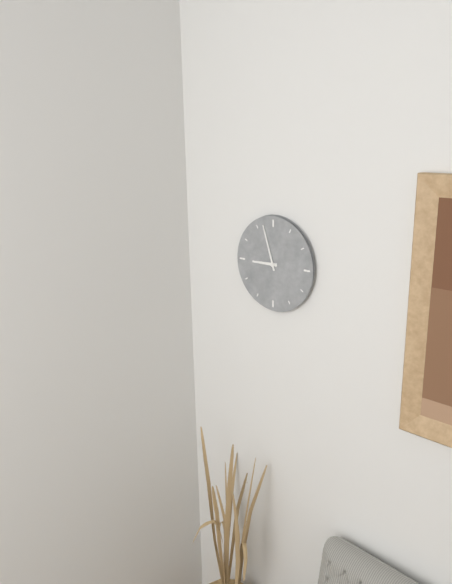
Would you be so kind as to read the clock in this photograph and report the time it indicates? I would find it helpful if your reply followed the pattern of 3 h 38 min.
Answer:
8 h 57 min
